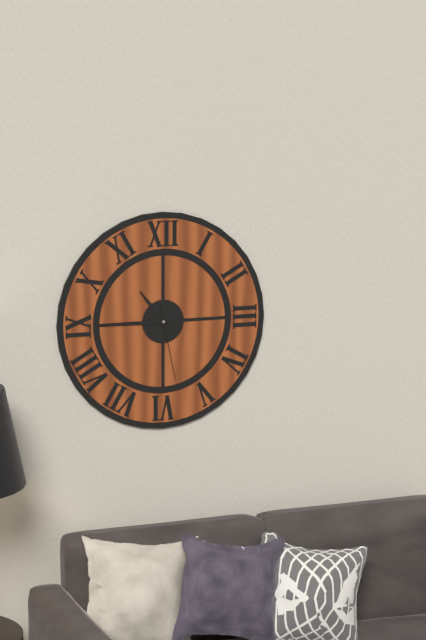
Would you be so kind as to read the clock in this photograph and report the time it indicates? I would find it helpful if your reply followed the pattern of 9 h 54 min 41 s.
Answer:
10 h 45 min 28 s
